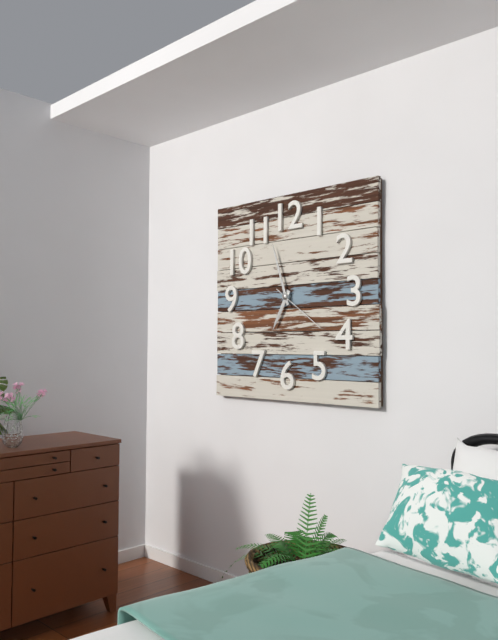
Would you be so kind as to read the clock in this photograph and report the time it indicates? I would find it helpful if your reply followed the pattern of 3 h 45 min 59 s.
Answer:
6 h 57 min 21 s
